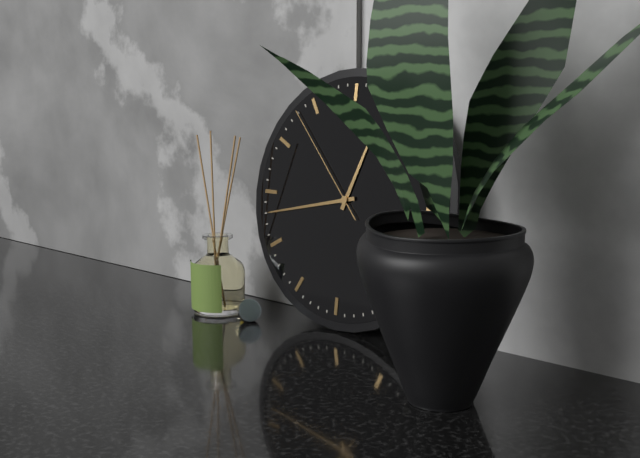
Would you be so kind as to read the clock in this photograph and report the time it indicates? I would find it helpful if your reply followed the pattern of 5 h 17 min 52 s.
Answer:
12 h 43 min 53 s
